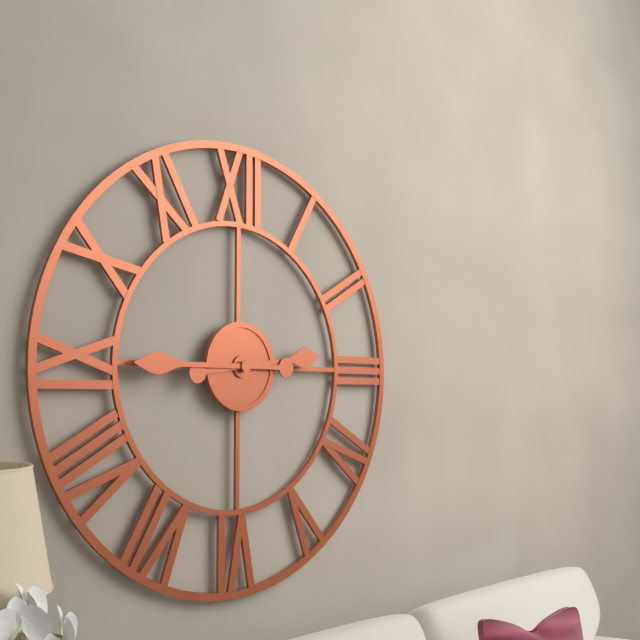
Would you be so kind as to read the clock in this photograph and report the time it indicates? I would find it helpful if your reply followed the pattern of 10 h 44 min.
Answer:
2 h 45 min
